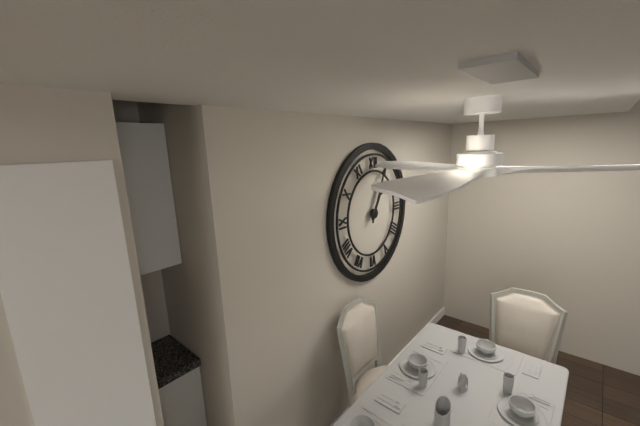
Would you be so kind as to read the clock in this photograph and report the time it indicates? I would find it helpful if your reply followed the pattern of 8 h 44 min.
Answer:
1 h 04 min
